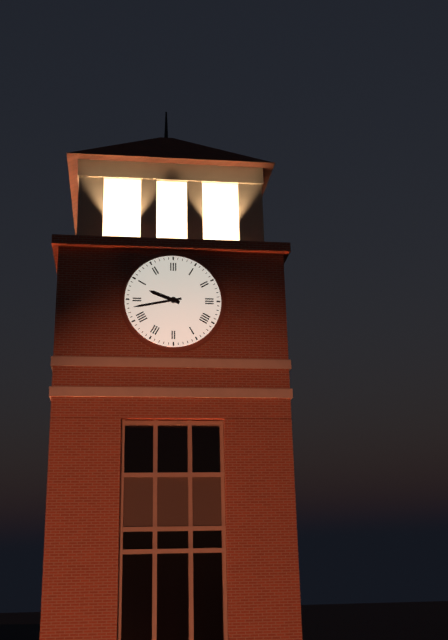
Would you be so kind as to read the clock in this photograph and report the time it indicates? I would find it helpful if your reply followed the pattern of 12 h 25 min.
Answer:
9 h 43 min
